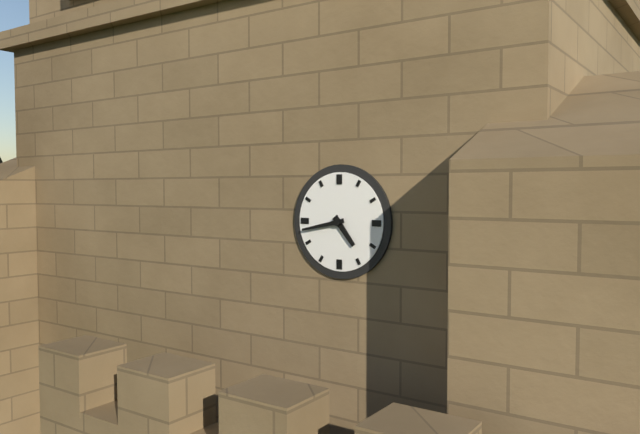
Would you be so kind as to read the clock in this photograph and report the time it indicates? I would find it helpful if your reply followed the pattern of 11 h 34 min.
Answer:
4 h 43 min
